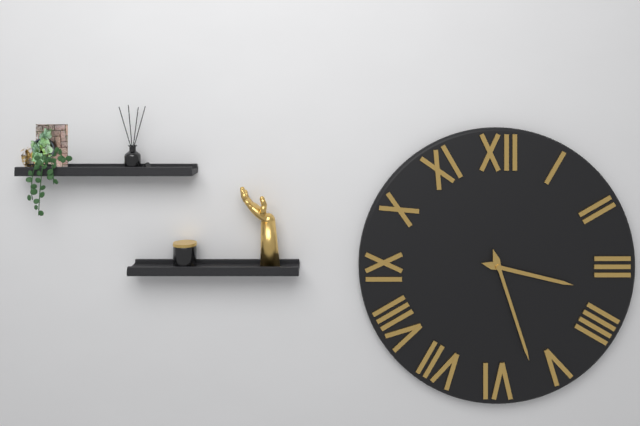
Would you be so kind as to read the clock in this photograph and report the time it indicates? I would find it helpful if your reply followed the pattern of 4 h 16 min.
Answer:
3 h 27 min
